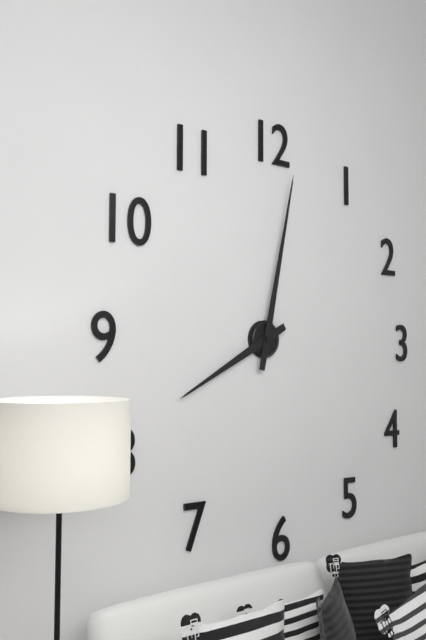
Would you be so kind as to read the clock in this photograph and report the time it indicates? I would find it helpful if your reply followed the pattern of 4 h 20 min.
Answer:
8 h 02 min
